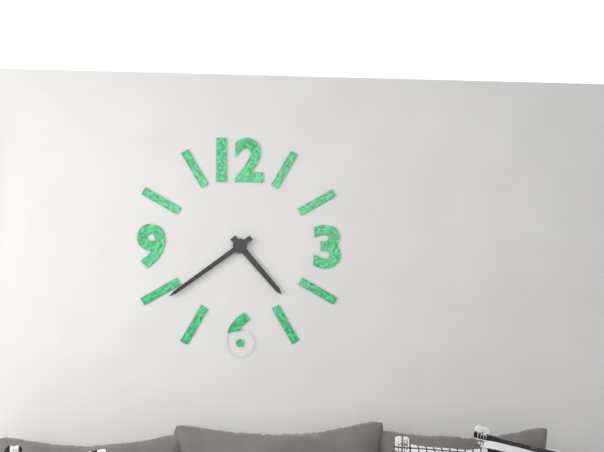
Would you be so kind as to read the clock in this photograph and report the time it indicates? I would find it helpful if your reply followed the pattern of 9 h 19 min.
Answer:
4 h 39 min
